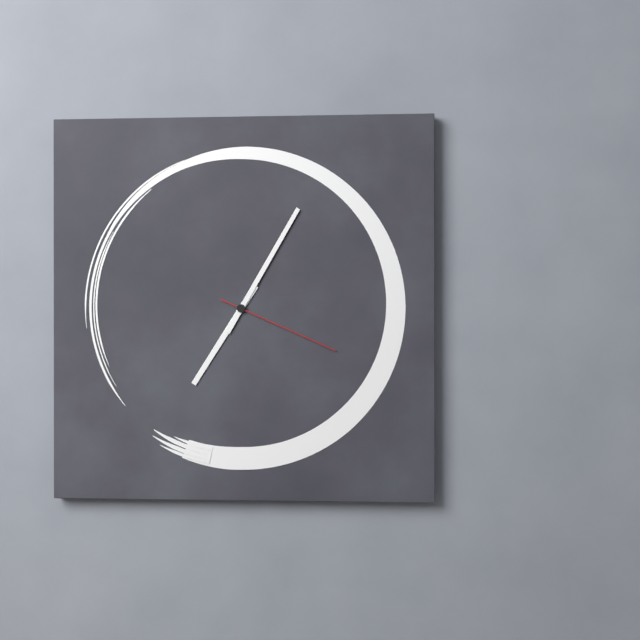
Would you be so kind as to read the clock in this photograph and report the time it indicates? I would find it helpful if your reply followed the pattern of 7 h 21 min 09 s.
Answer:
7 h 05 min 19 s
